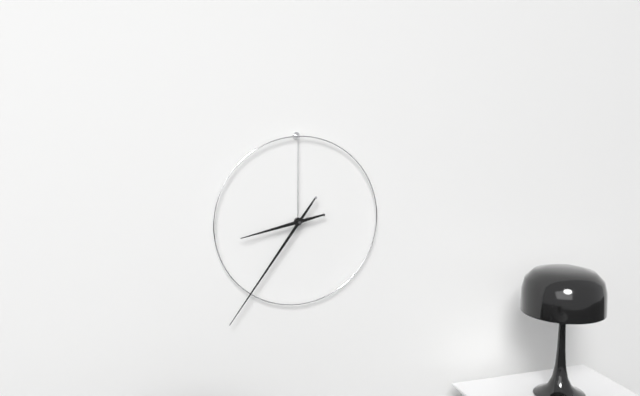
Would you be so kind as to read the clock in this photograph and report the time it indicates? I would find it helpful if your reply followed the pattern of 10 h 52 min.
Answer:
8 h 36 min
